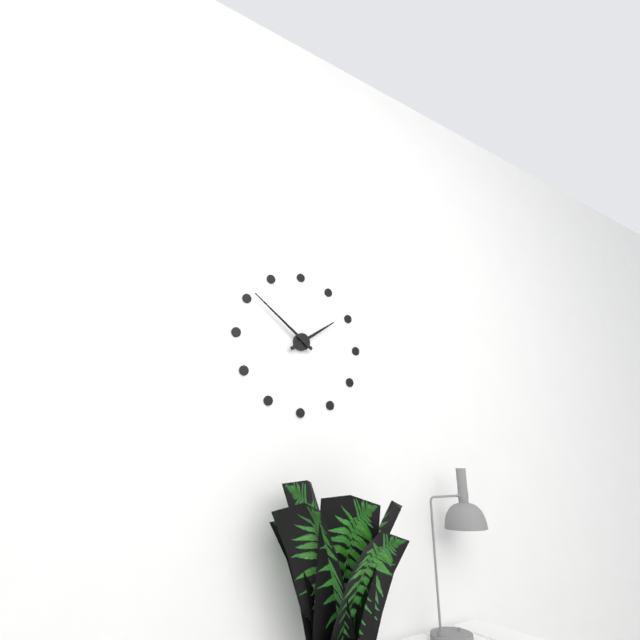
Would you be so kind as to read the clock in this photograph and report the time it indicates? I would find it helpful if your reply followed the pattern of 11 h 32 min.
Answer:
1 h 51 min
